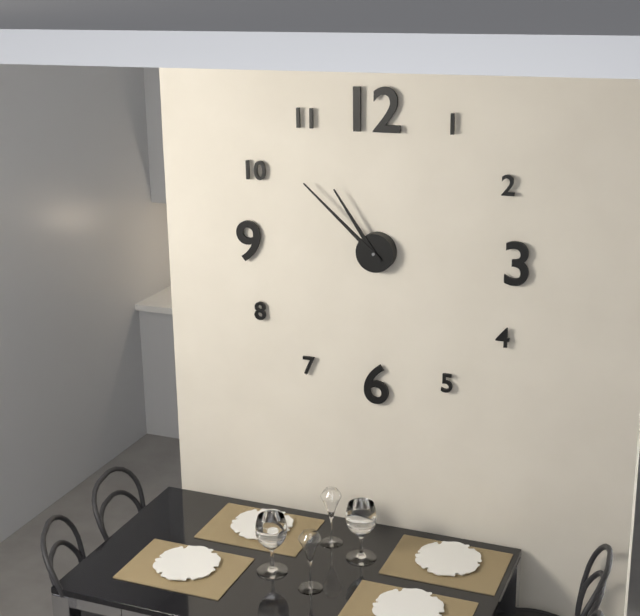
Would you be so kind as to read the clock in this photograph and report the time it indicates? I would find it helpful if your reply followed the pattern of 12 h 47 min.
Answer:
10 h 52 min
